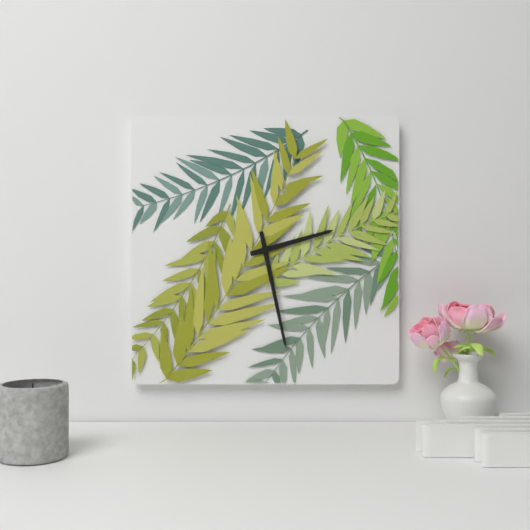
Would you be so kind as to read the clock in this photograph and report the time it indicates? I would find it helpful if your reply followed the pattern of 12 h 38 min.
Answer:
2 h 28 min
